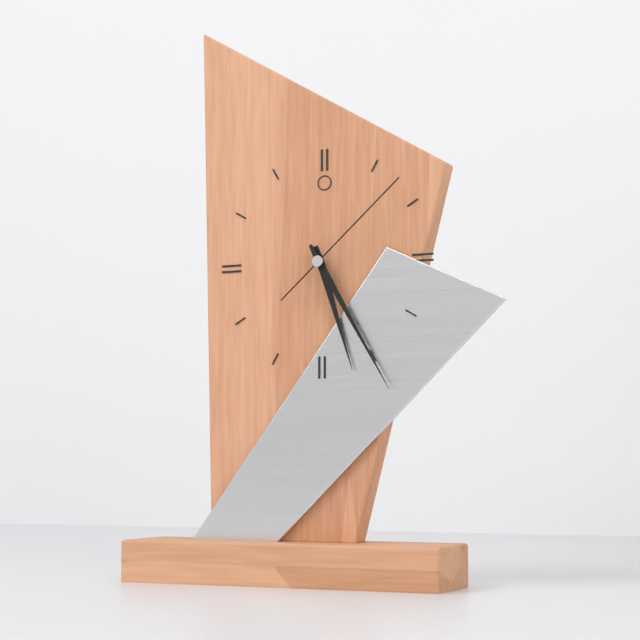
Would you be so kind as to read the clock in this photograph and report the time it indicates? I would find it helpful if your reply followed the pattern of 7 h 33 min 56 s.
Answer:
5 h 25 min 08 s
